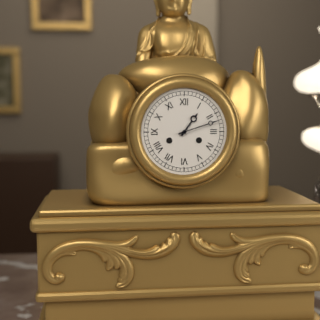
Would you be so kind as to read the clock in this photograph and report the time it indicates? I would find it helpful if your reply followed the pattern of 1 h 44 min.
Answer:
1 h 12 min
